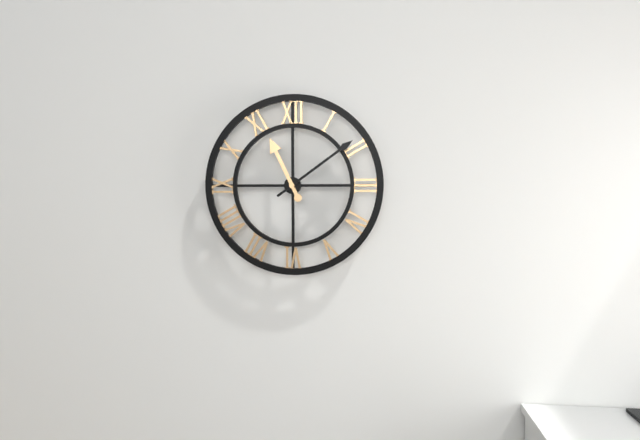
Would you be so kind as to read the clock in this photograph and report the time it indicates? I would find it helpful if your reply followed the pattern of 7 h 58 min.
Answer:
11 h 09 min
